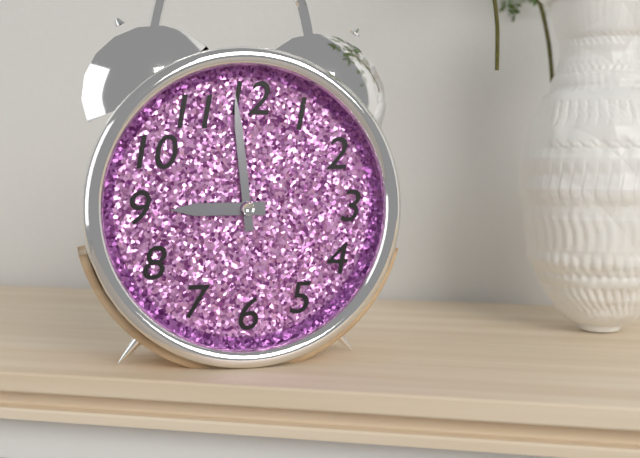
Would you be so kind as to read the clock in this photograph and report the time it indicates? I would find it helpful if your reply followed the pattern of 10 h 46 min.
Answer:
8 h 59 min
